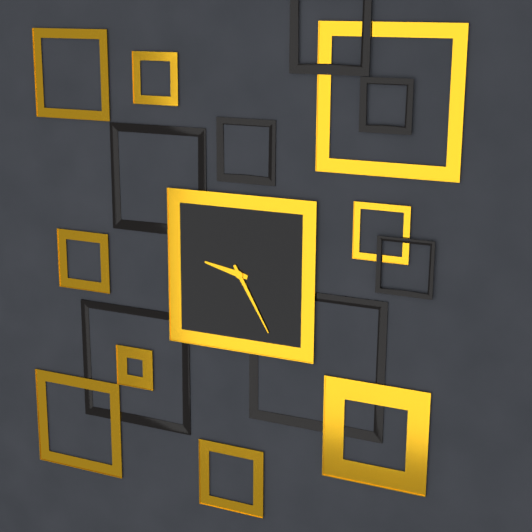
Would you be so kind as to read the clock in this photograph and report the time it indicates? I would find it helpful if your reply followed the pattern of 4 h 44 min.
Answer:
9 h 25 min
